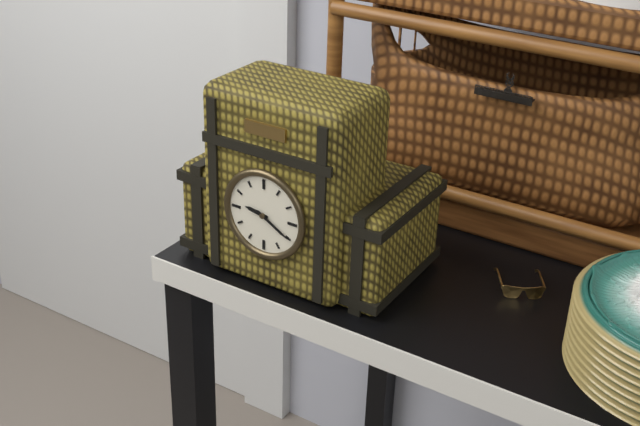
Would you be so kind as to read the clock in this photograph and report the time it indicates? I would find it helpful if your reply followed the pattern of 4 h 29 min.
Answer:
9 h 20 min
